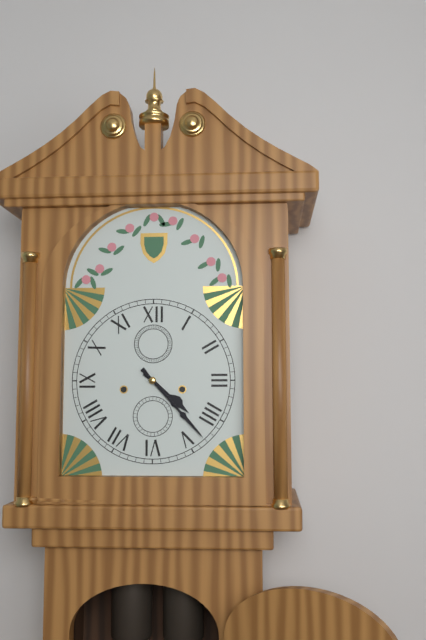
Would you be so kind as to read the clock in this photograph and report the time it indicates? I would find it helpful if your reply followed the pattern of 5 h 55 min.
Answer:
4 h 23 min
